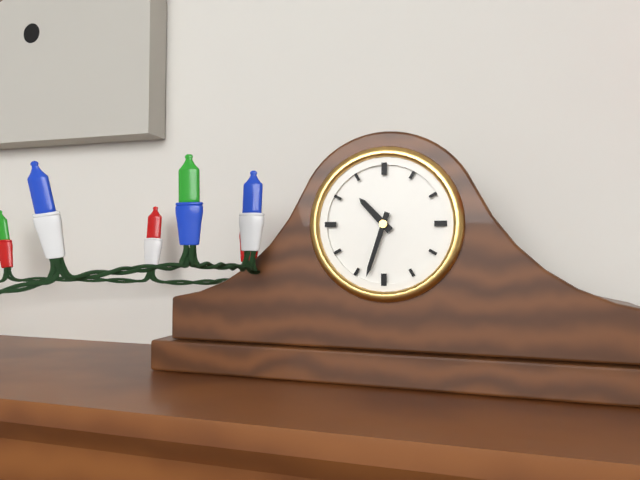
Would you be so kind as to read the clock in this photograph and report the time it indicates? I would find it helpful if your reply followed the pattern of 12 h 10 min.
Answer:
10 h 33 min
